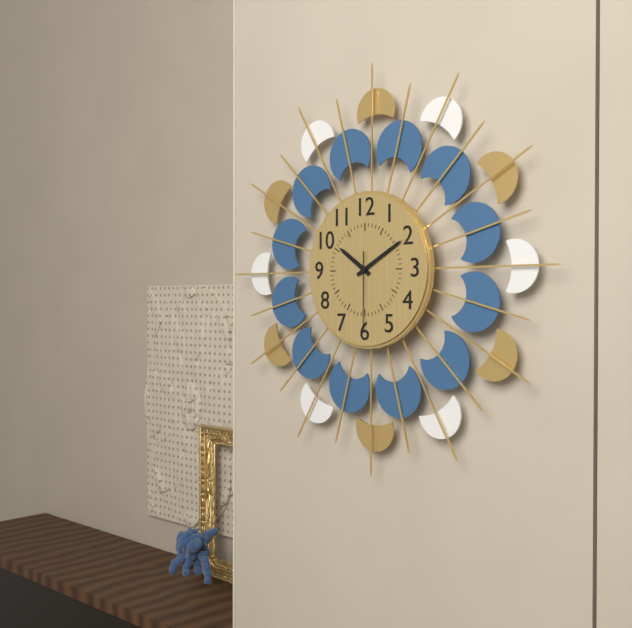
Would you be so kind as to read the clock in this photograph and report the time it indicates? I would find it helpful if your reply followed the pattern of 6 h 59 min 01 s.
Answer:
10 h 10 min 30 s
